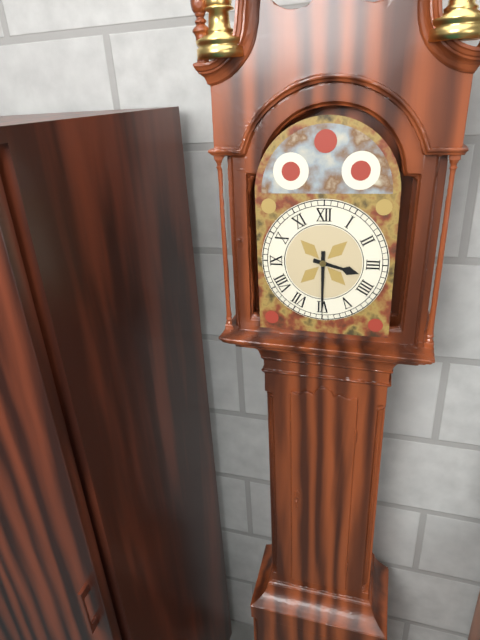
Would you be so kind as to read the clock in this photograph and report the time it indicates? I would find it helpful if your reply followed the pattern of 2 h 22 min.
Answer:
3 h 30 min
